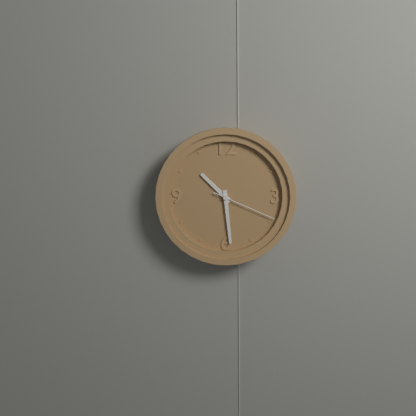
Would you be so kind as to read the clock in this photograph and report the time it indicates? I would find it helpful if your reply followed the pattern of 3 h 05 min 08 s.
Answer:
10 h 29 min 19 s
